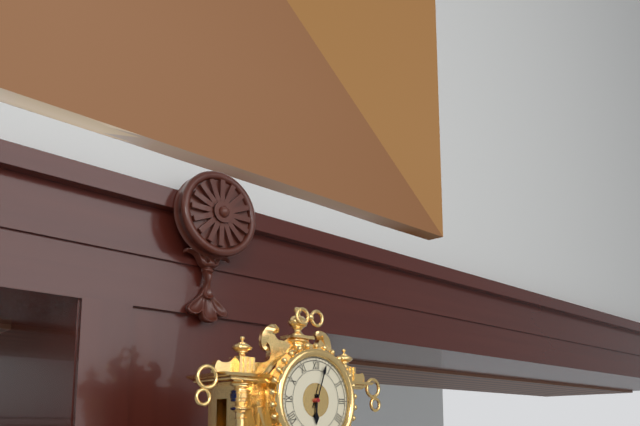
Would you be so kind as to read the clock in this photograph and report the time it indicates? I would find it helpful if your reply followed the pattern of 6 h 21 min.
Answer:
6 h 03 min
